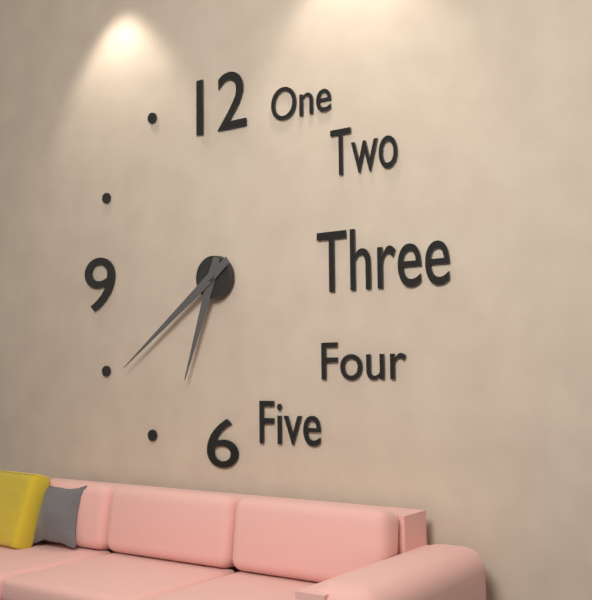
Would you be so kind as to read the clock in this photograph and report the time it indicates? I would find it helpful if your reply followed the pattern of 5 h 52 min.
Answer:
6 h 39 min
